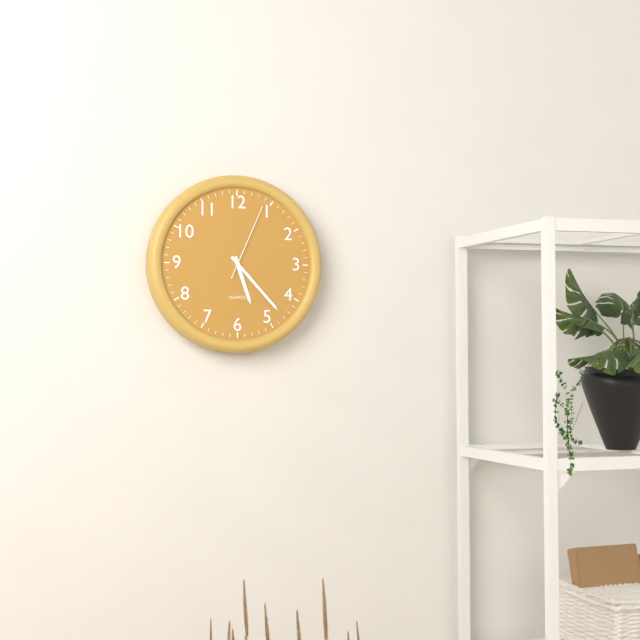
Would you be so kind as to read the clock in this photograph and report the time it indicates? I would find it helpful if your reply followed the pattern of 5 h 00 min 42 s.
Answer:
5 h 23 min 04 s
